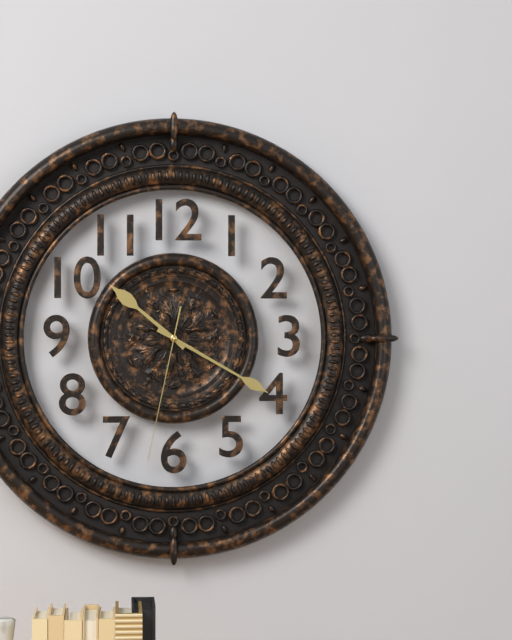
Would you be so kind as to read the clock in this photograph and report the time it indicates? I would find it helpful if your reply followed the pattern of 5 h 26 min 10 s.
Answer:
10 h 20 min 32 s
